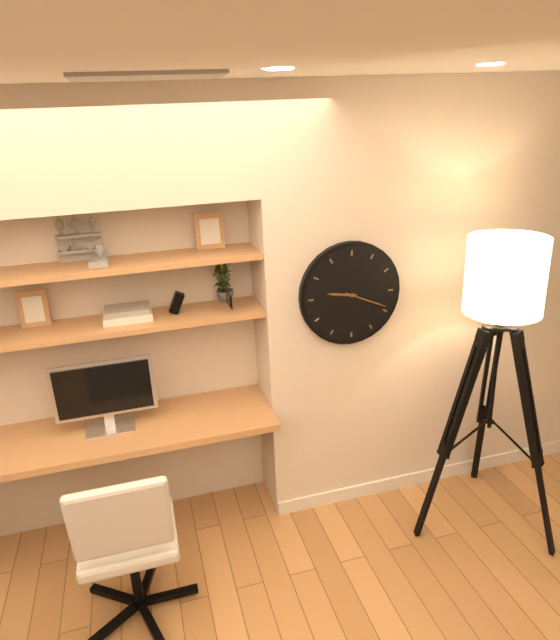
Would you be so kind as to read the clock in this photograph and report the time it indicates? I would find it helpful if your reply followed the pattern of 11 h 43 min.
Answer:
9 h 19 min
